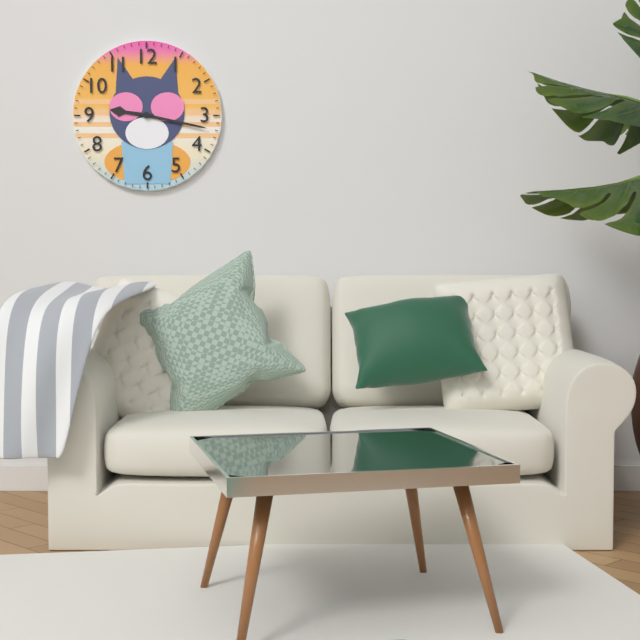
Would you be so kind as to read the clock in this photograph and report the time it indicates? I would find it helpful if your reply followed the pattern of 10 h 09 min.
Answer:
9 h 17 min
